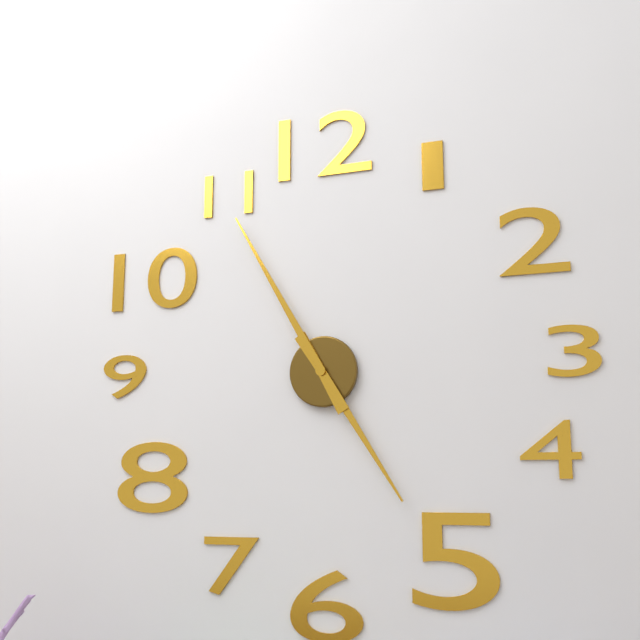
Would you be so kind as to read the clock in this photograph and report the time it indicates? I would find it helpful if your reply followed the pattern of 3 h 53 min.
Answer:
4 h 55 min
